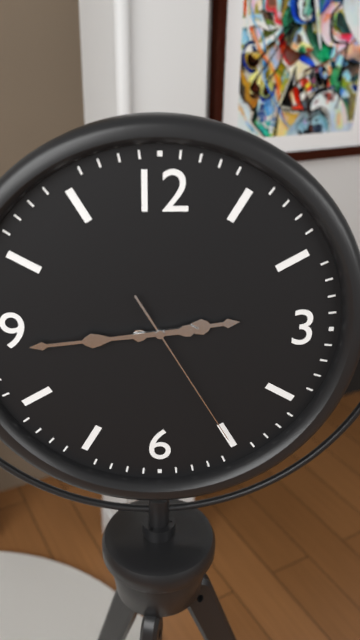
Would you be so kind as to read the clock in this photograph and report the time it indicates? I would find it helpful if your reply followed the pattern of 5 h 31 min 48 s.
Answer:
2 h 44 min 25 s
